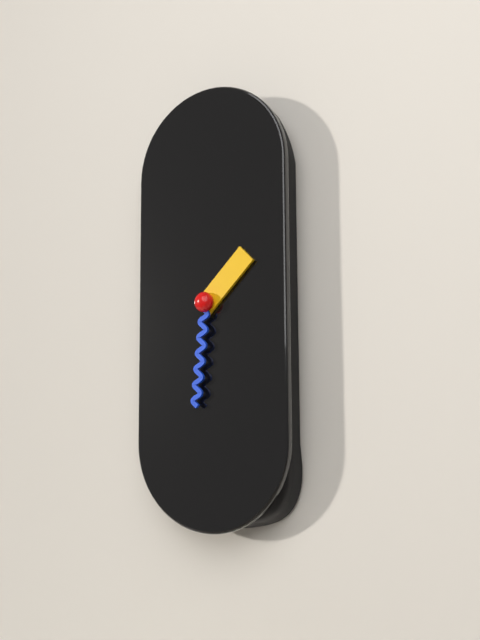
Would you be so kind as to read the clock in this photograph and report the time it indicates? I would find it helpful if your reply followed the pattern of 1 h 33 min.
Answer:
1 h 31 min
